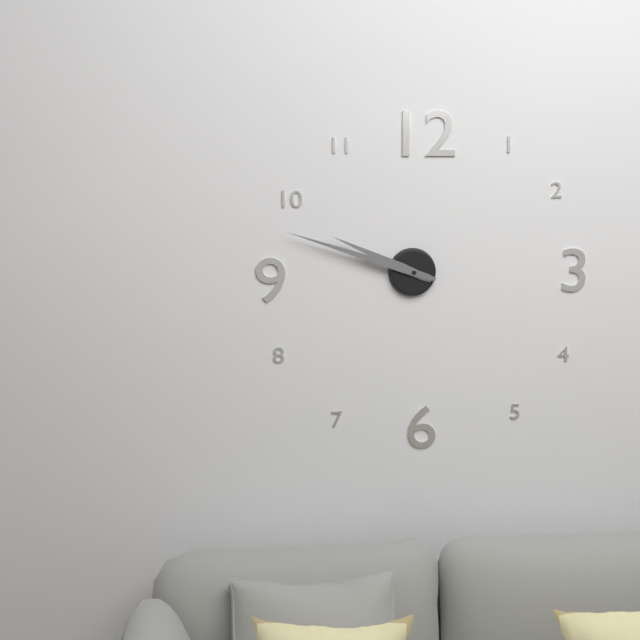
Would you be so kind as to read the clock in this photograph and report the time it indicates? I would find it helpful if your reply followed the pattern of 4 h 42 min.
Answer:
9 h 48 min
